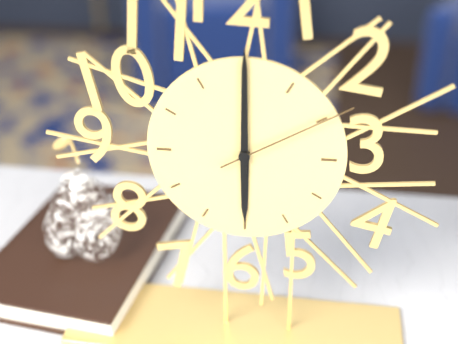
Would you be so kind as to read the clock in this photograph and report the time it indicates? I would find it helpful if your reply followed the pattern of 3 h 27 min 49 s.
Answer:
6 h 00 min 10 s
